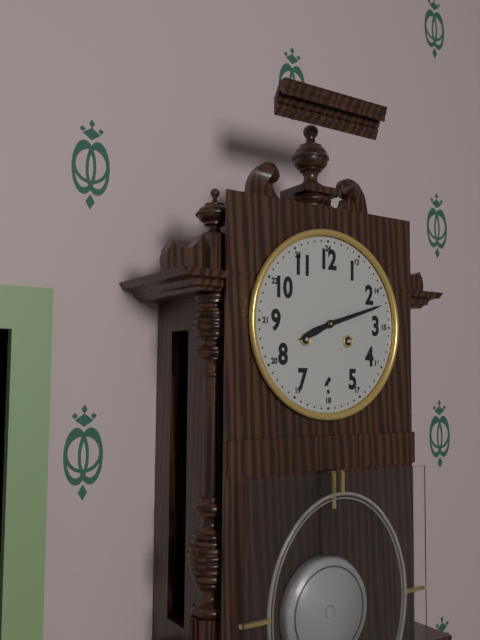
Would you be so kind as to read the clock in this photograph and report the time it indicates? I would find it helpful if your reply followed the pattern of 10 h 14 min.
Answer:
8 h 12 min
